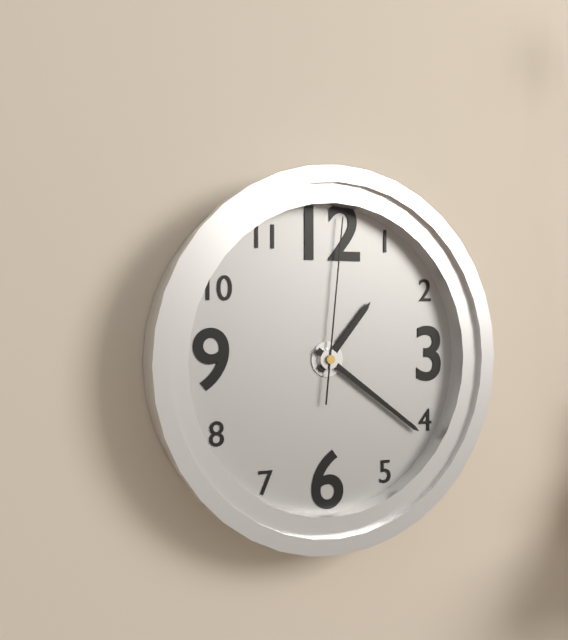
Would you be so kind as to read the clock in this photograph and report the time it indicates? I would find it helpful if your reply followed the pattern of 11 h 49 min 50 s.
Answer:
1 h 21 min 01 s
